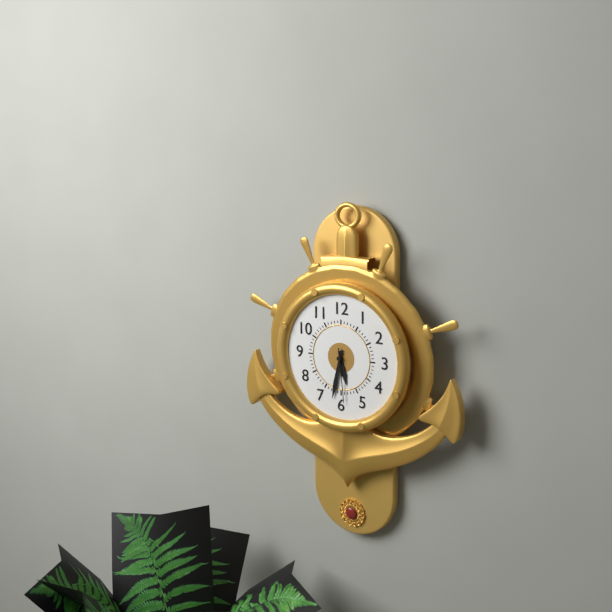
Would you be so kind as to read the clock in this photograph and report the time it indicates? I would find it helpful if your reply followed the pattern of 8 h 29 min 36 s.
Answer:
5 h 32 min 29 s
